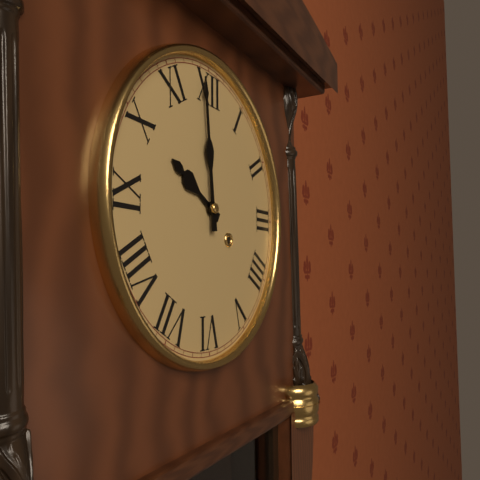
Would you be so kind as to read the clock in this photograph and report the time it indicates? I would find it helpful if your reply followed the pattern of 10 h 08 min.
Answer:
9 h 59 min
